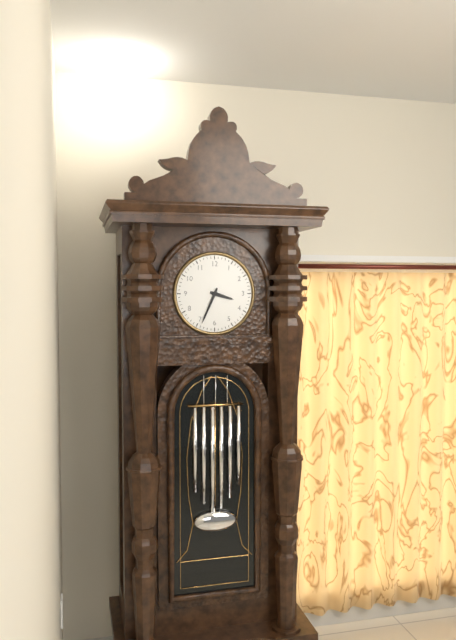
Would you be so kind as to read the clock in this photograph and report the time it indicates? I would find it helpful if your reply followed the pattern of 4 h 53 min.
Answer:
3 h 34 min
